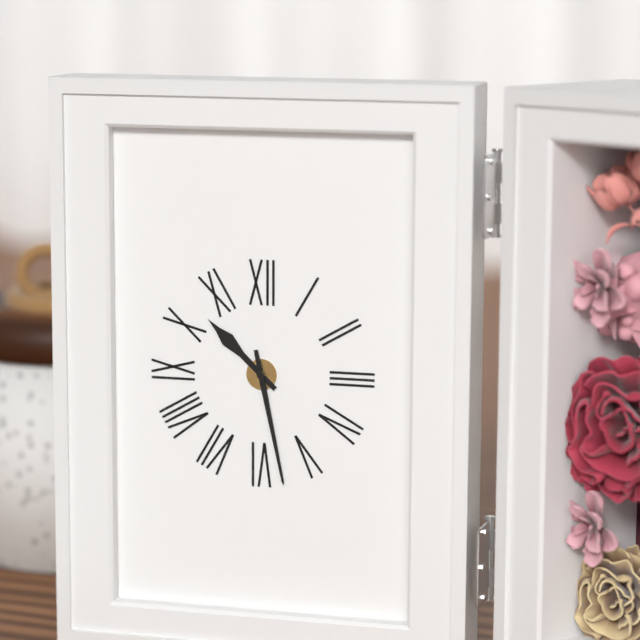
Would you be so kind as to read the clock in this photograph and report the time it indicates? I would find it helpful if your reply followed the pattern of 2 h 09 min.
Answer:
10 h 28 min
